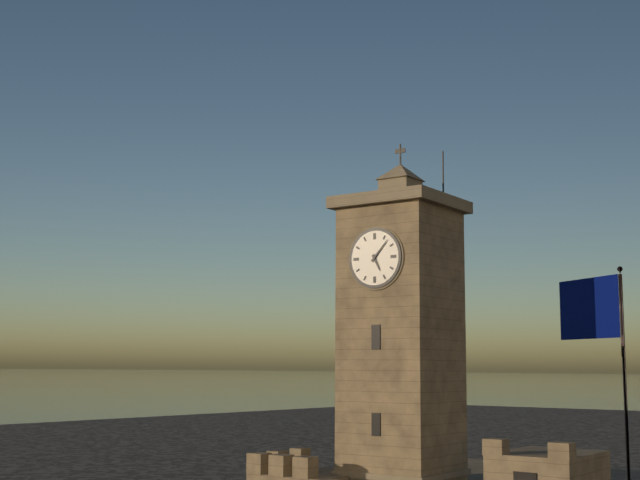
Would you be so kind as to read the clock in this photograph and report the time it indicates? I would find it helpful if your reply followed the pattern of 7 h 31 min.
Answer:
5 h 07 min
